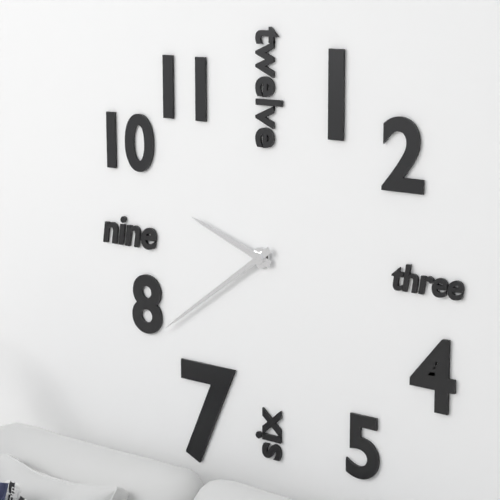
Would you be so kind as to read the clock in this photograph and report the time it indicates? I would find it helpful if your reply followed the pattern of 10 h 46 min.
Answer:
9 h 39 min
